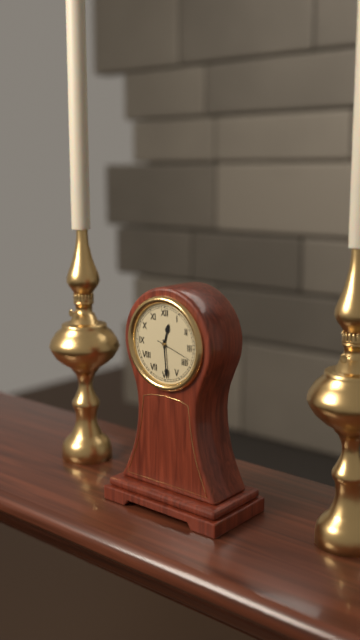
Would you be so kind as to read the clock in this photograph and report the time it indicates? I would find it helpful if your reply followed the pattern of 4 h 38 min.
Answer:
12 h 29 min
